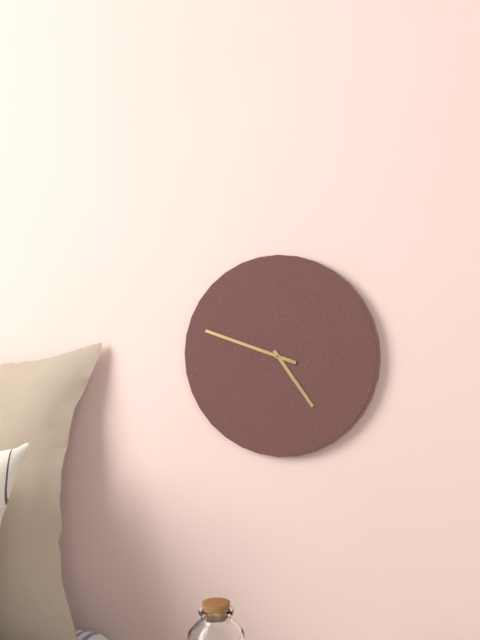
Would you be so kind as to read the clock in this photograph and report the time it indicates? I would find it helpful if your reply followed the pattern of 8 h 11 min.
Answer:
4 h 48 min
